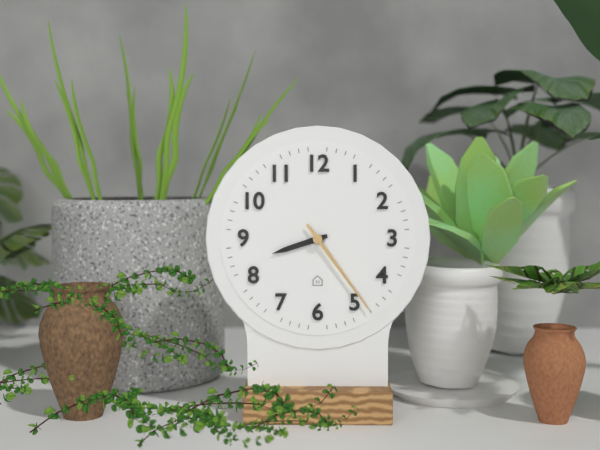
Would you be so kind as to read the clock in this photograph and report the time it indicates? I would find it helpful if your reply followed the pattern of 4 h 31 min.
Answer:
8 h 24 min
